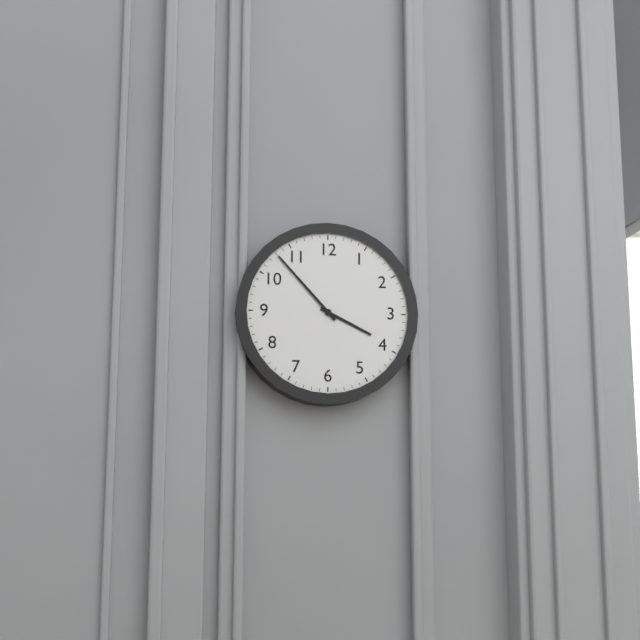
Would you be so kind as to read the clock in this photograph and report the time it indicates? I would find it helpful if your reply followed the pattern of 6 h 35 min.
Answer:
3 h 53 min
